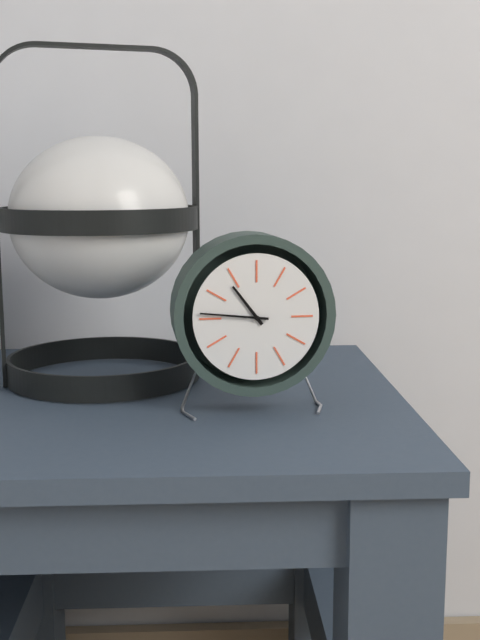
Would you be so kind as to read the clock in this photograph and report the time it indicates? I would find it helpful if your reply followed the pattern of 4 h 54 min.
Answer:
10 h 46 min
